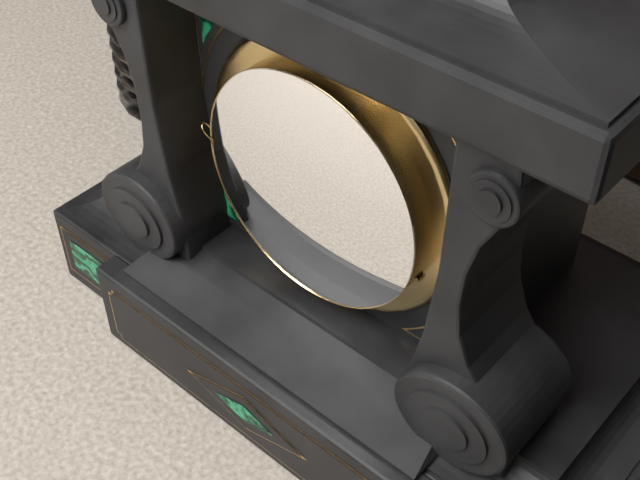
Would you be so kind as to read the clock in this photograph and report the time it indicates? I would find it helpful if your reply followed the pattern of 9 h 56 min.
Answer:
8 h 28 min
